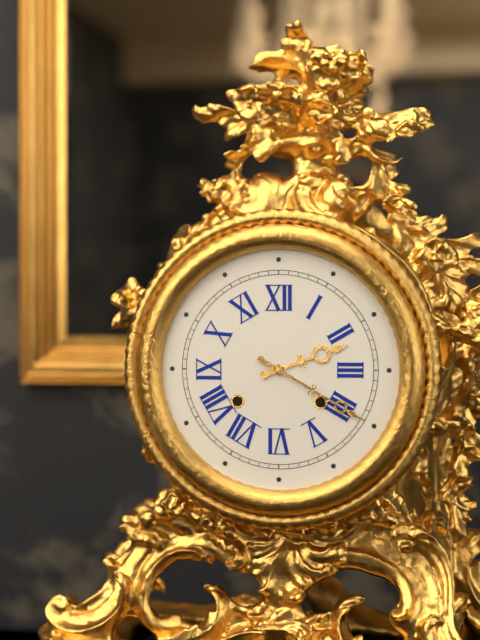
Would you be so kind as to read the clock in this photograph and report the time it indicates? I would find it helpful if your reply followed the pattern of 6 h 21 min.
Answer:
2 h 20 min
